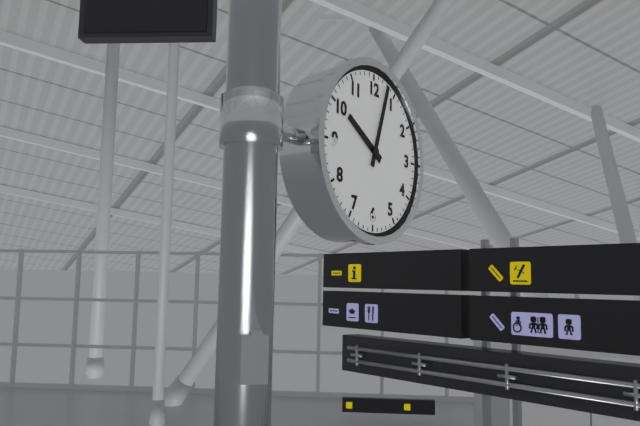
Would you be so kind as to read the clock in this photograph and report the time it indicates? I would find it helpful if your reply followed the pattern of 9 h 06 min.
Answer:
10 h 03 min
